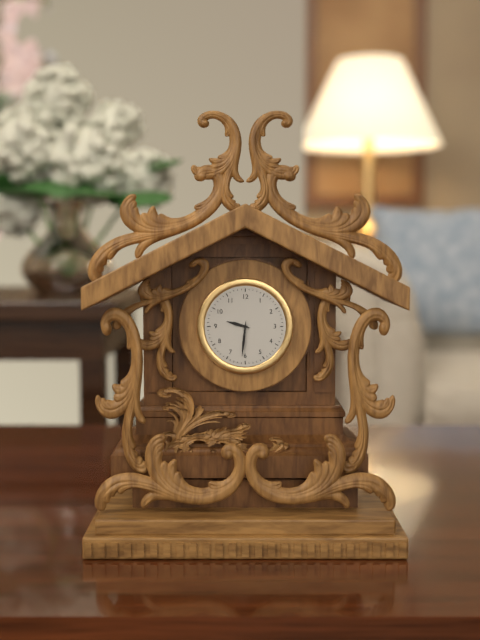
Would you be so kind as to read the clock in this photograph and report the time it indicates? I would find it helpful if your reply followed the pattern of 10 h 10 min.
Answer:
9 h 31 min
